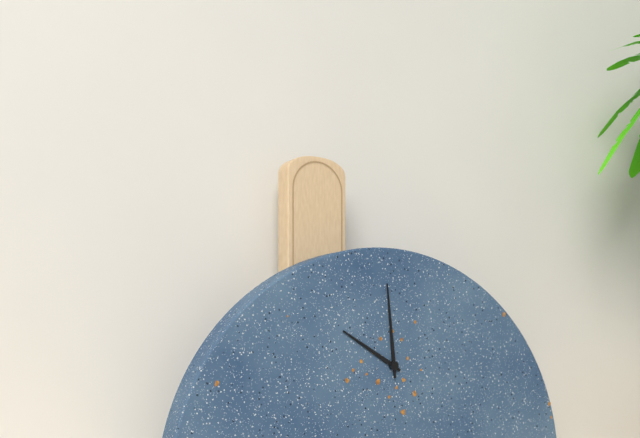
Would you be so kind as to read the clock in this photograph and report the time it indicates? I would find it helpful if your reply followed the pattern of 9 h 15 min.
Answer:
9 h 59 min
